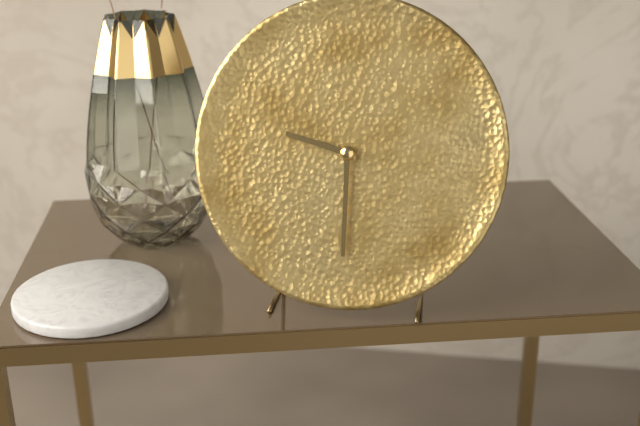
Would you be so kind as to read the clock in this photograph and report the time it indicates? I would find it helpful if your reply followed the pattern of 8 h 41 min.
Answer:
9 h 30 min
